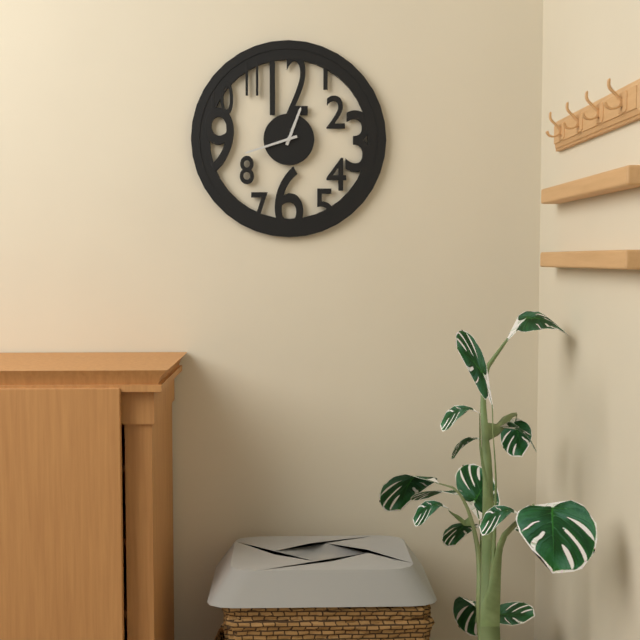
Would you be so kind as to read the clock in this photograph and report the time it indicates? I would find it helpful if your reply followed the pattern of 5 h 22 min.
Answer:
12 h 42 min
